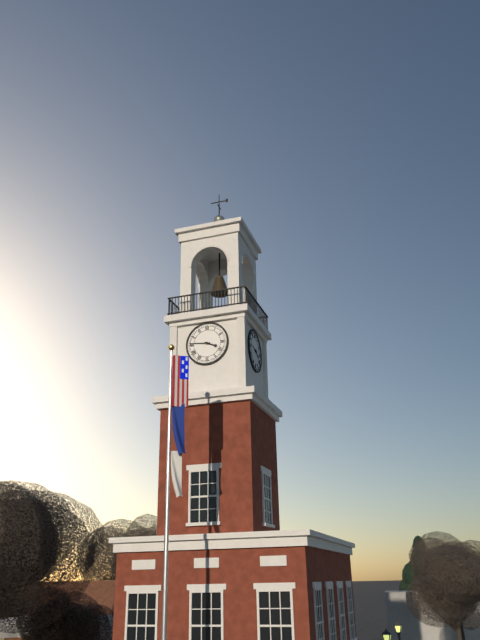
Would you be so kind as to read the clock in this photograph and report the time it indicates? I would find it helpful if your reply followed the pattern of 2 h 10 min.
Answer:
3 h 46 min
